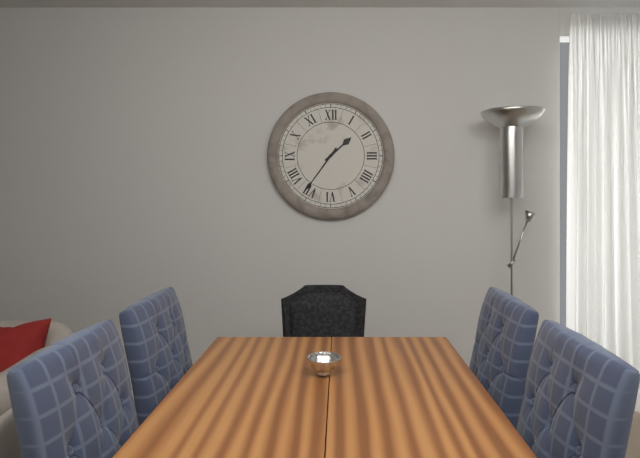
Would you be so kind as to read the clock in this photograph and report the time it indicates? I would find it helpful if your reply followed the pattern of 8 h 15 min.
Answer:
1 h 36 min
